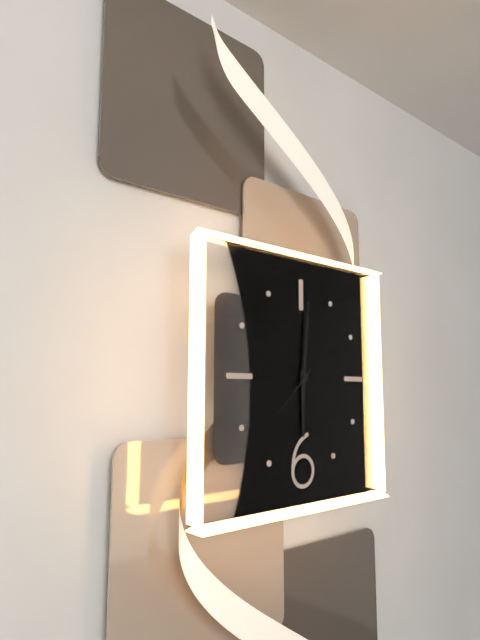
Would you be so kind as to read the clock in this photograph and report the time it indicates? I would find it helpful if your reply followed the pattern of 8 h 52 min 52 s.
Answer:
6 h 01 min 38 s
